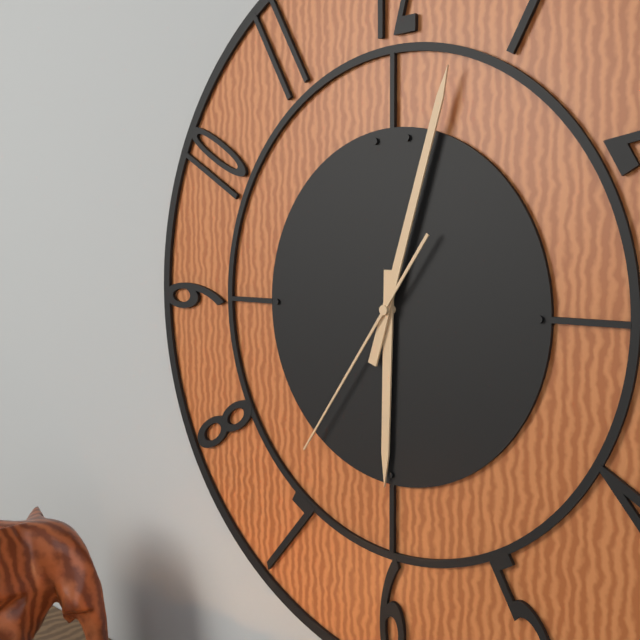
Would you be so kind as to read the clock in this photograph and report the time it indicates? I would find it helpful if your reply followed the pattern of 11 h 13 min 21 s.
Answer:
6 h 03 min 36 s
